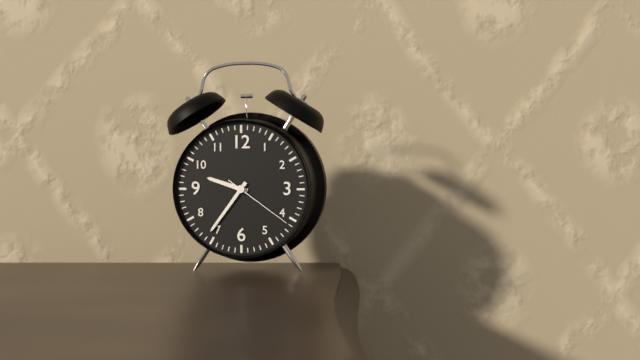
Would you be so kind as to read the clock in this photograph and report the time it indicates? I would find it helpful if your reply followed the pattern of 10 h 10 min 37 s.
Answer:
9 h 36 min 21 s
